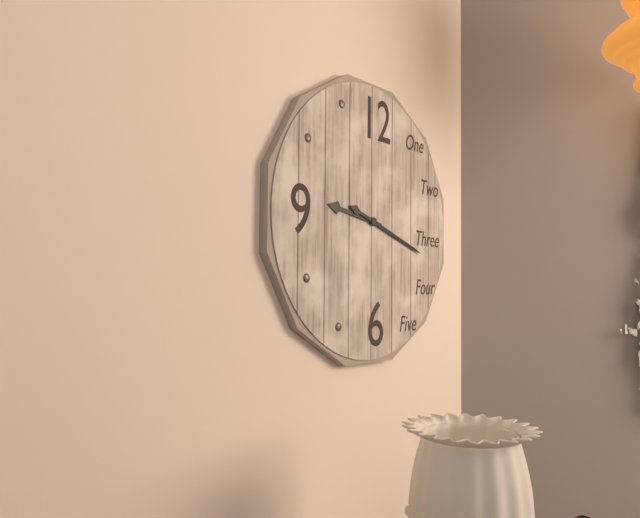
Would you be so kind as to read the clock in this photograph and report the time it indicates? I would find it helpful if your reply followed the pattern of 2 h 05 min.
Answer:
9 h 18 min
